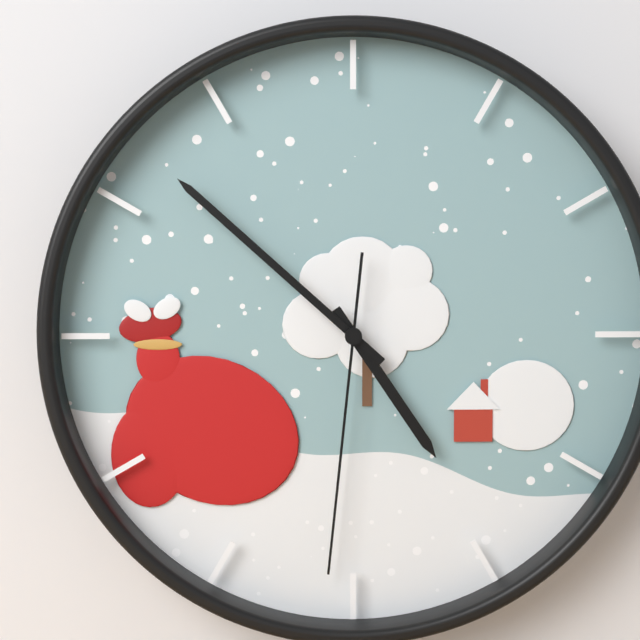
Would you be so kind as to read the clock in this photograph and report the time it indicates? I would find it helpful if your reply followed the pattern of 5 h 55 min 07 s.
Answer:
4 h 52 min 31 s
